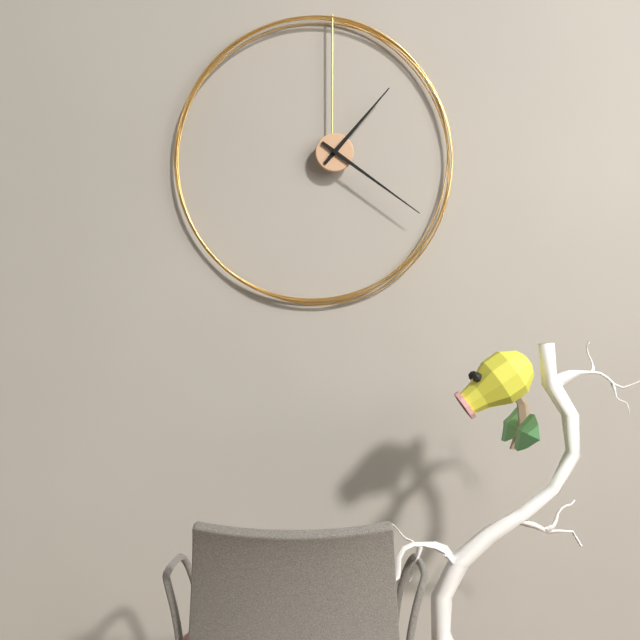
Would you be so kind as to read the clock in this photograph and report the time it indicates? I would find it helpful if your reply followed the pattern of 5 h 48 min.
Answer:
1 h 21 min
